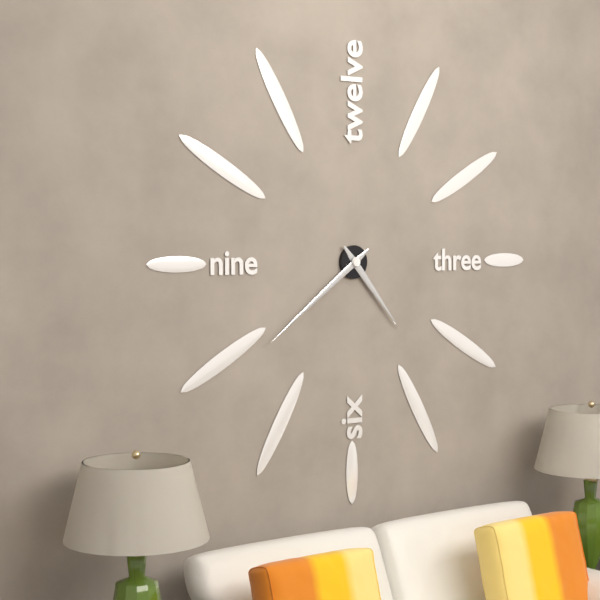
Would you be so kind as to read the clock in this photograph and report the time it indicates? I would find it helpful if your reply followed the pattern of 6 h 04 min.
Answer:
4 h 39 min
